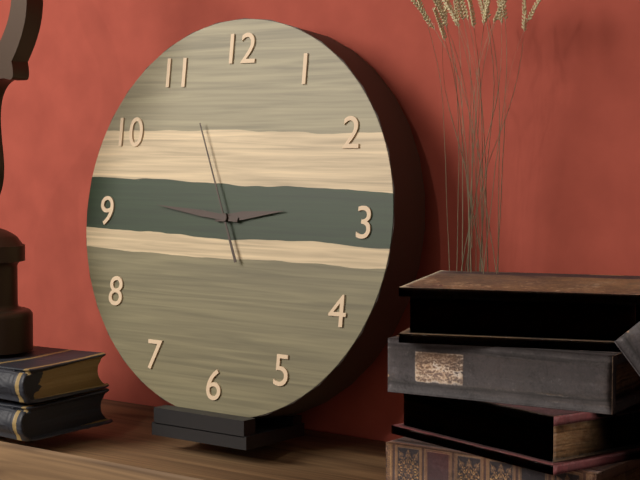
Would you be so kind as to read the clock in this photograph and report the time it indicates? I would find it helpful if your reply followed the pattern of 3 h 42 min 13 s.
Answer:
2 h 46 min 56 s
